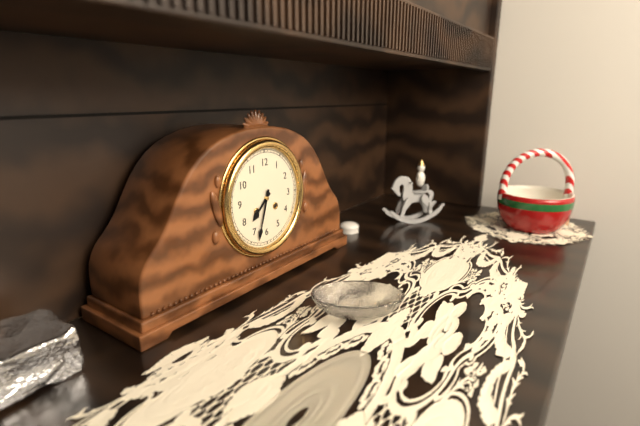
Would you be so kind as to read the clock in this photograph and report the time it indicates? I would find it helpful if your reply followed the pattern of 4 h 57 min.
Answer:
7 h 33 min
